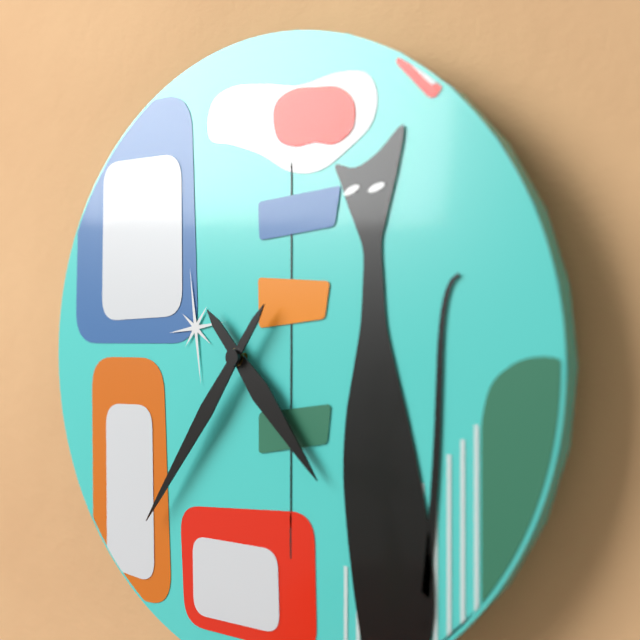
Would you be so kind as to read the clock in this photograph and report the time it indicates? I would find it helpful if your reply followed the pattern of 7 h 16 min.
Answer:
4 h 36 min
